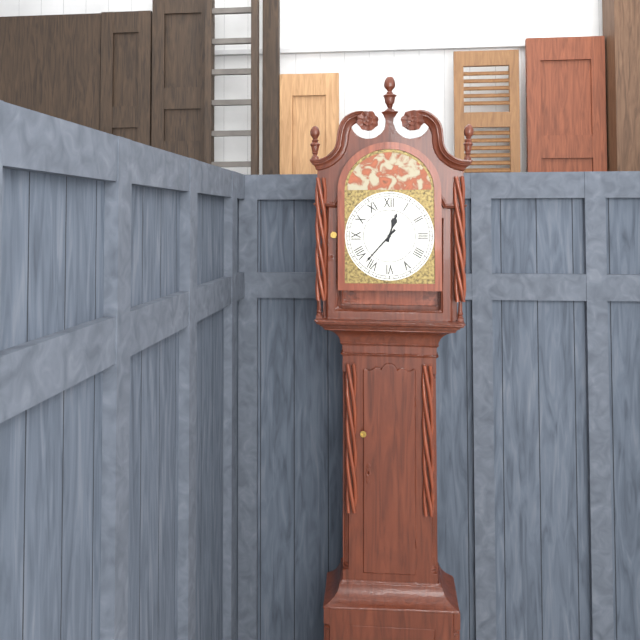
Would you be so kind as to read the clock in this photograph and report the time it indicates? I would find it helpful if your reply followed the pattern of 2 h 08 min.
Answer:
12 h 37 min
